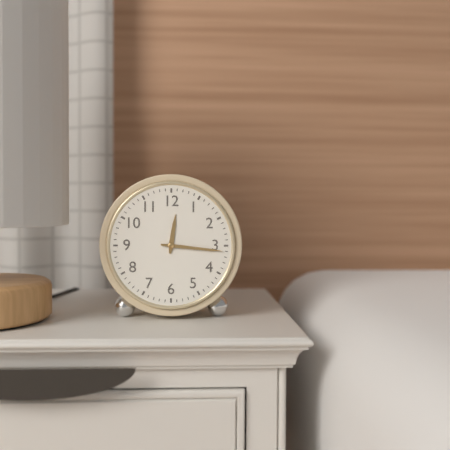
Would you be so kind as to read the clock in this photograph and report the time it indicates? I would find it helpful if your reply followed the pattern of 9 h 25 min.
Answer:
12 h 16 min
